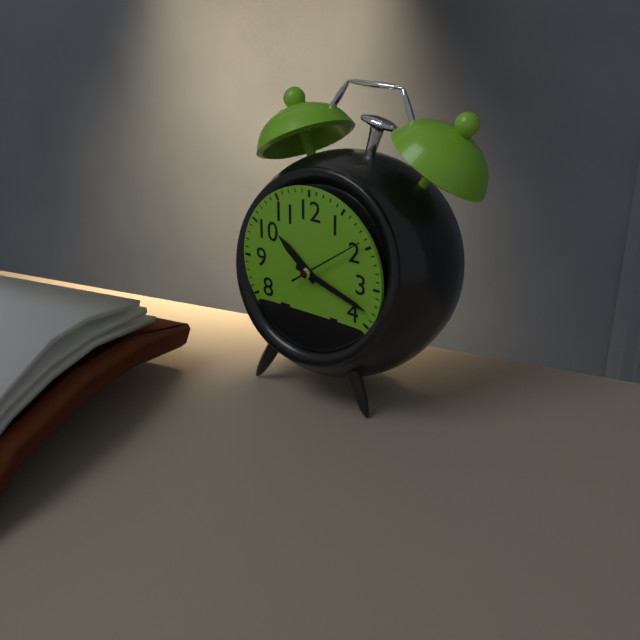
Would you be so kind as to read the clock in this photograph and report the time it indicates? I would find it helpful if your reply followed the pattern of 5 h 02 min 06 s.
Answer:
10 h 18 min 09 s
